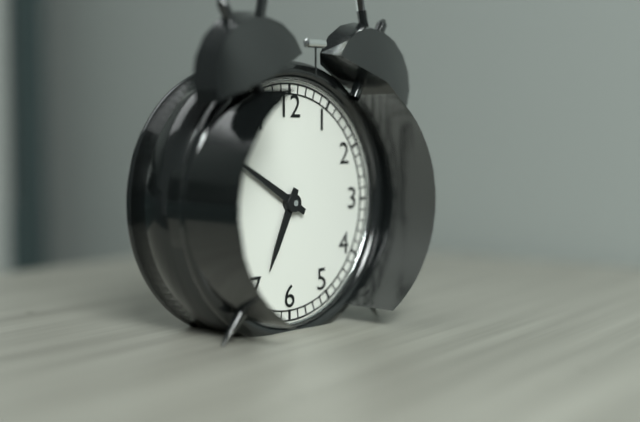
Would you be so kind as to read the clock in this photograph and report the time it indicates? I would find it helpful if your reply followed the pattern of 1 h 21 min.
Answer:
6 h 50 min
